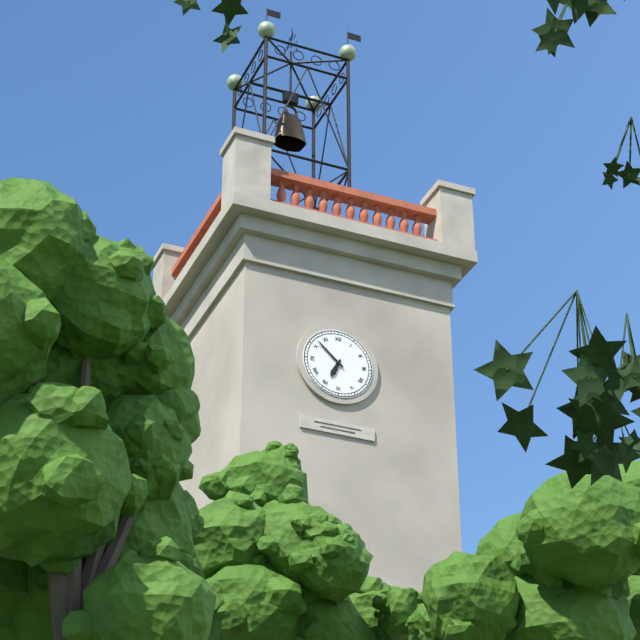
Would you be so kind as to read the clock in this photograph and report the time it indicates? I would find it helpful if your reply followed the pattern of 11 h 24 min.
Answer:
6 h 52 min
